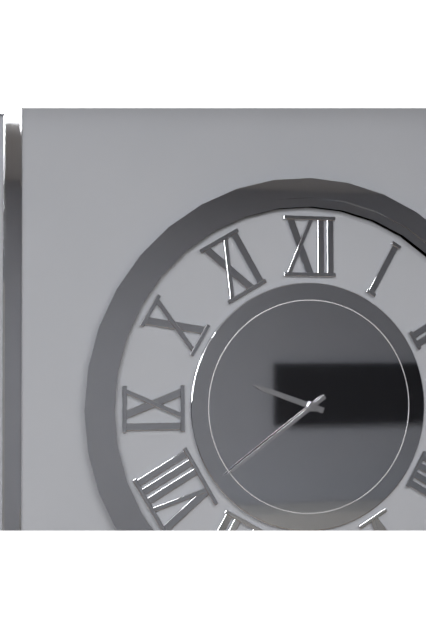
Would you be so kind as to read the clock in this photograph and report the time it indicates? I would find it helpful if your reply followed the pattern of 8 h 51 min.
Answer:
9 h 39 min
